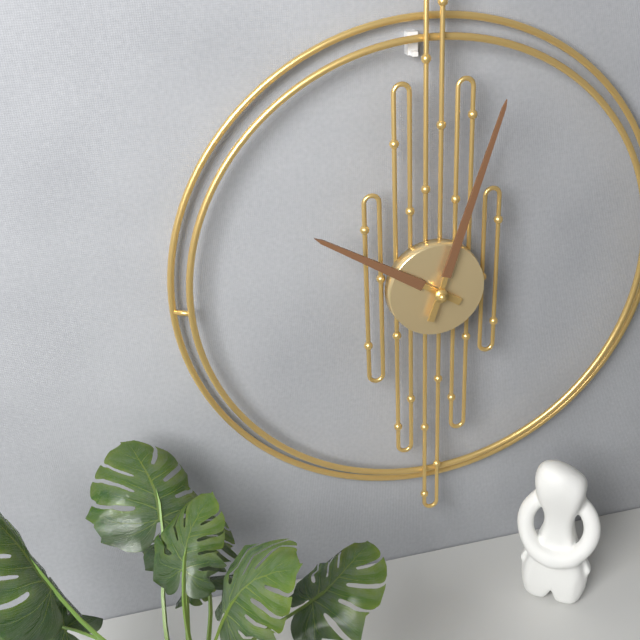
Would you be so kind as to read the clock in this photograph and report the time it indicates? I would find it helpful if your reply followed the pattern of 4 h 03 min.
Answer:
10 h 03 min
